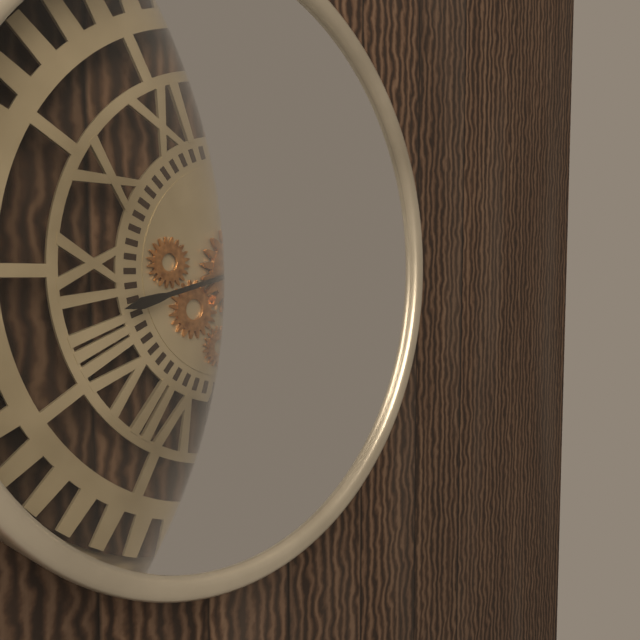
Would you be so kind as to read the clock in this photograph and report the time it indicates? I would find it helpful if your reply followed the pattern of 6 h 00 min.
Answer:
8 h 33 min
